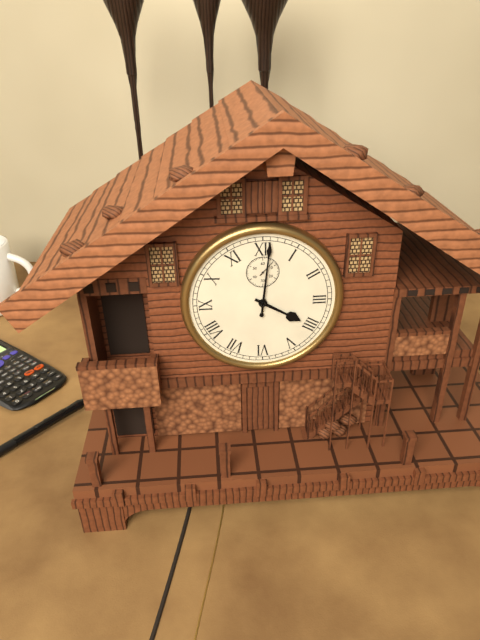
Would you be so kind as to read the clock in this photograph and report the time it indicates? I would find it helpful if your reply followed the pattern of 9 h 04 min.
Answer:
4 h 01 min
